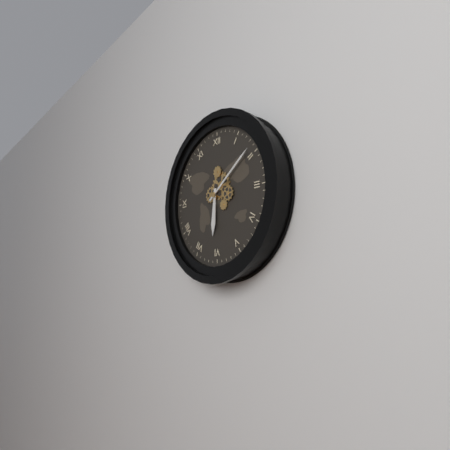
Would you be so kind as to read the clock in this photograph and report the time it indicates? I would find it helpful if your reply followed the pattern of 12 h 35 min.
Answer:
6 h 09 min
